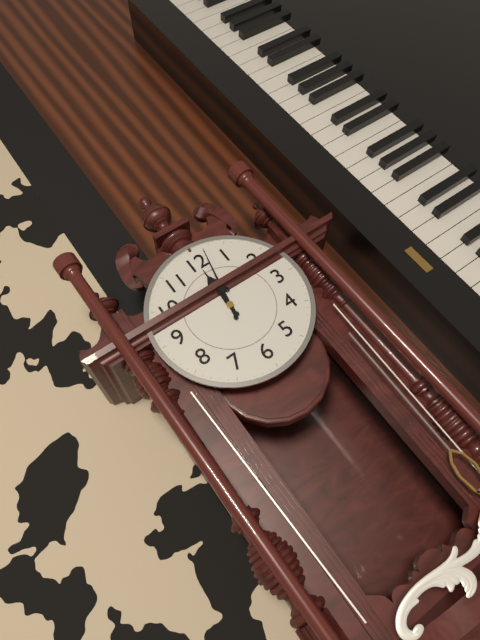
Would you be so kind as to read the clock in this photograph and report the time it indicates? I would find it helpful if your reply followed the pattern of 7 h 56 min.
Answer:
12 h 02 min
